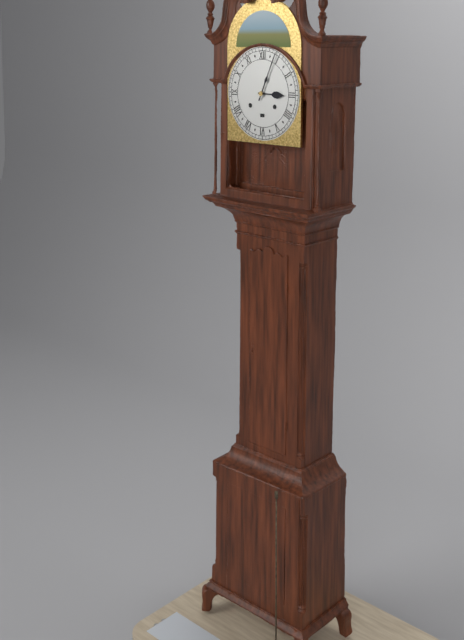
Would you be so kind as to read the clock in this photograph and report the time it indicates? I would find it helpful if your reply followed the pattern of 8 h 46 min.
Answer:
3 h 04 min
